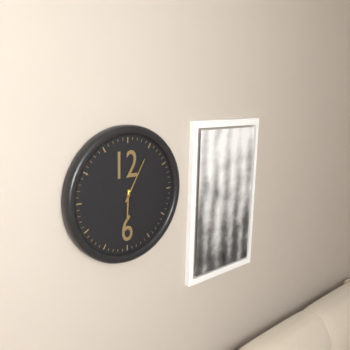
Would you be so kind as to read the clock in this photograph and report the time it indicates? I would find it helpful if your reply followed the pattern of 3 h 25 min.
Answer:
6 h 05 min
